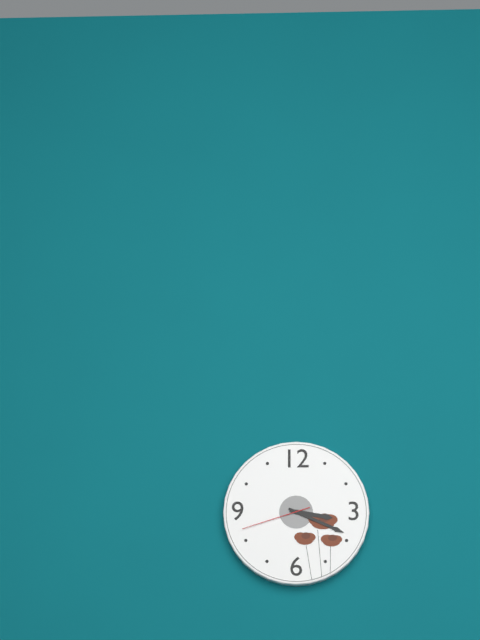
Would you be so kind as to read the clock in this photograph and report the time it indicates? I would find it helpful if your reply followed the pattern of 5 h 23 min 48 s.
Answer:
3 h 19 min 42 s
